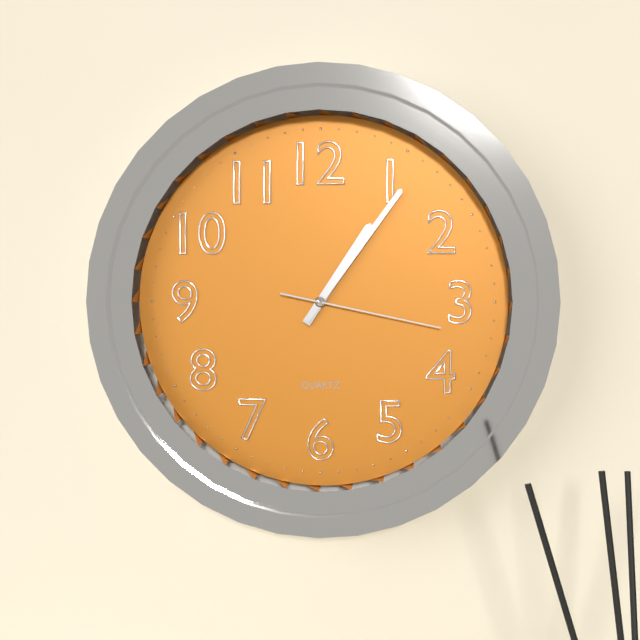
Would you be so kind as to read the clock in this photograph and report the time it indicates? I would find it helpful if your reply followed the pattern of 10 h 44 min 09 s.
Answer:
1 h 06 min 17 s
